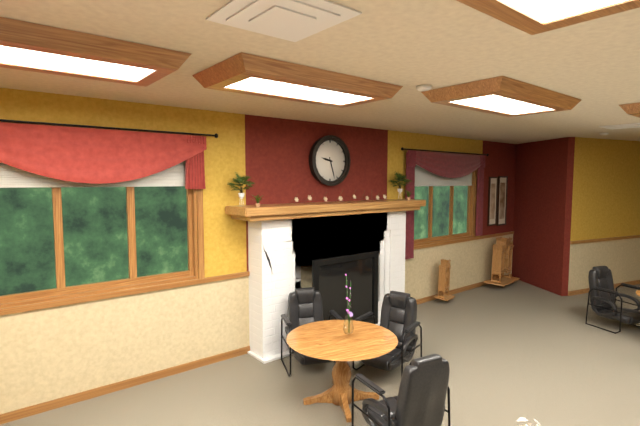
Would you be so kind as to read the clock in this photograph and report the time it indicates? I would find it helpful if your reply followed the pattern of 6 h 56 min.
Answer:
9 h 27 min
